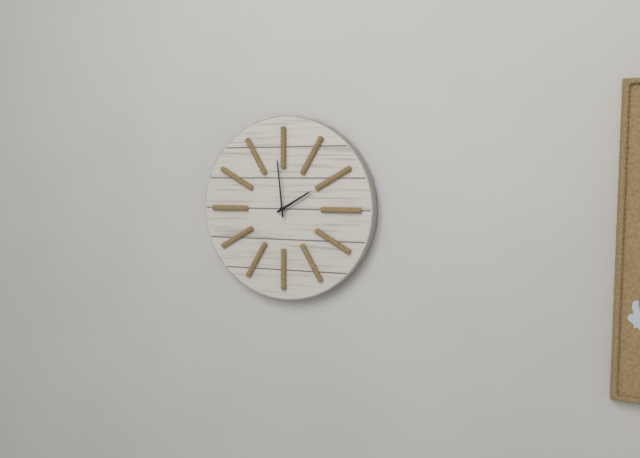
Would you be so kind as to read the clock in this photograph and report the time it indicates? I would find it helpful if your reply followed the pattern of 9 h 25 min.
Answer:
1 h 59 min
